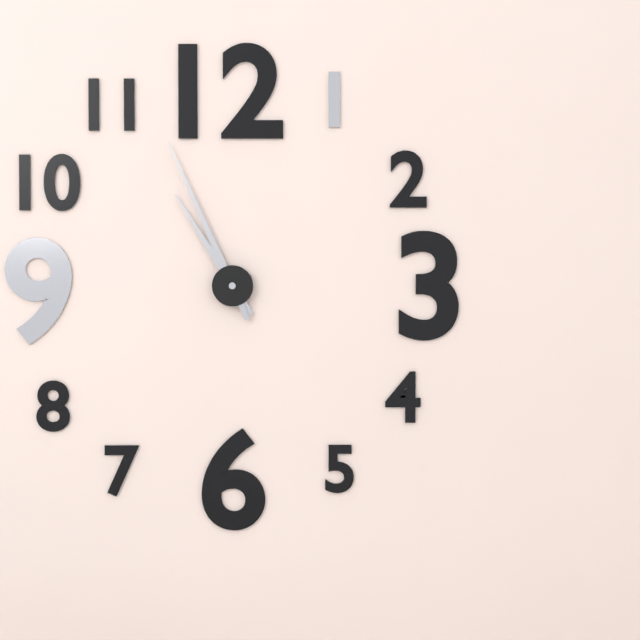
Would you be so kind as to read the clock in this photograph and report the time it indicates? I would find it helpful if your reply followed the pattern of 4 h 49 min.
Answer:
10 h 56 min
